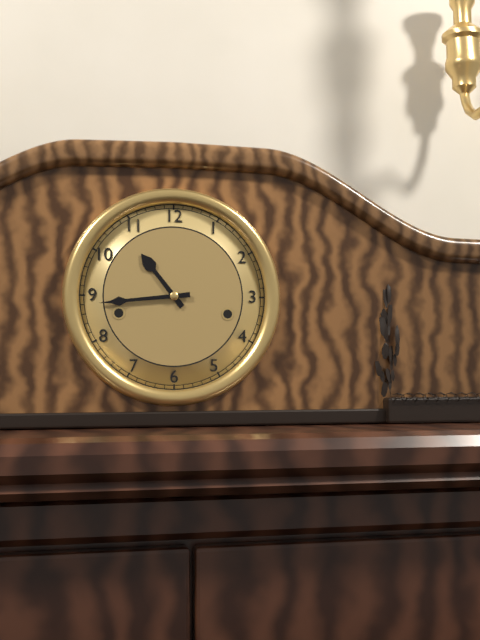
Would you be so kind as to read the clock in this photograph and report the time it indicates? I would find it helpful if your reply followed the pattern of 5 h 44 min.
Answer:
10 h 44 min
